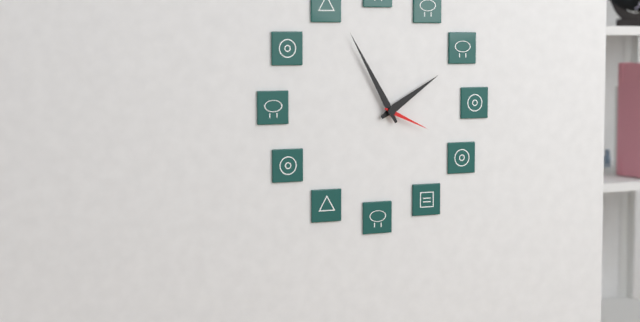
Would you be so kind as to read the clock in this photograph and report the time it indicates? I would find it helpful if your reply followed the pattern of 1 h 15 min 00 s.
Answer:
1 h 55 min 19 s
